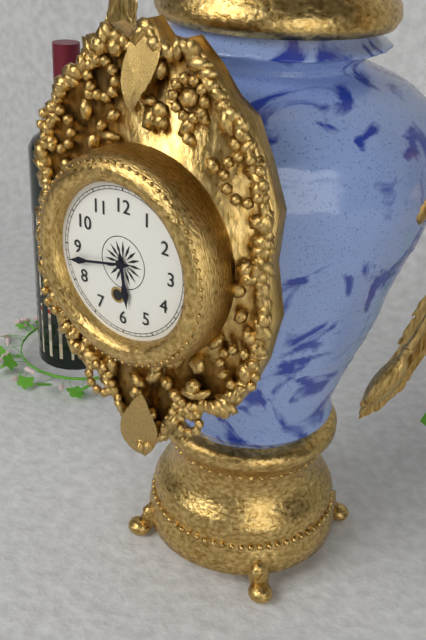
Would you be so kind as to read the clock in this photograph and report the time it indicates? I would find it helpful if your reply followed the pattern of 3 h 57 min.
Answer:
5 h 43 min
